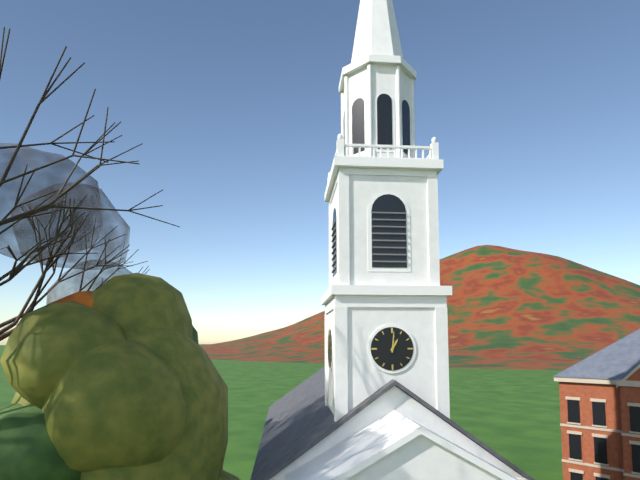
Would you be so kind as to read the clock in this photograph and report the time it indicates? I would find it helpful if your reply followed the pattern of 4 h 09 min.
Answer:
1 h 01 min
